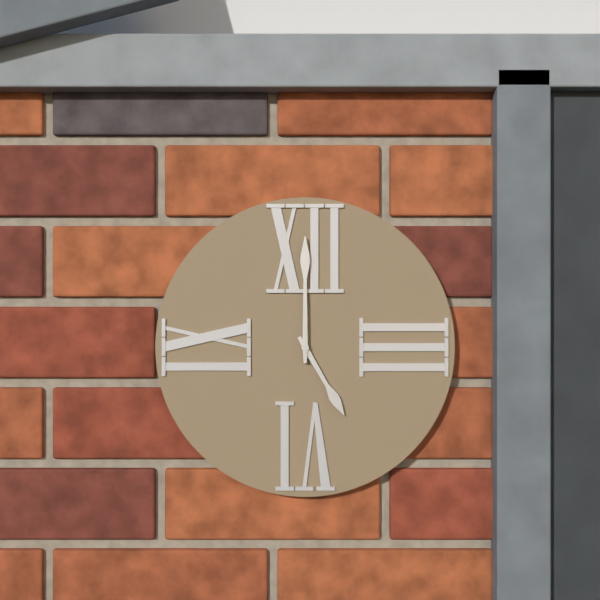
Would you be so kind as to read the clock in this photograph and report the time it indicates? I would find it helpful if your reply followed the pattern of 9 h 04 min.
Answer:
5 h 00 min
